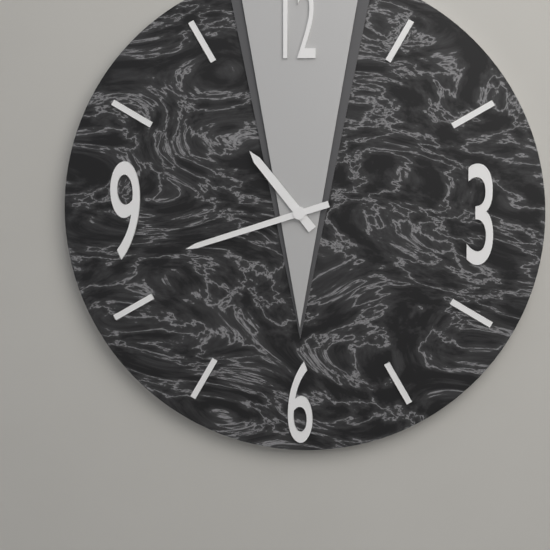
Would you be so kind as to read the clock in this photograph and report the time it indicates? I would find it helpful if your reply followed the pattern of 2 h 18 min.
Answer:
10 h 42 min
